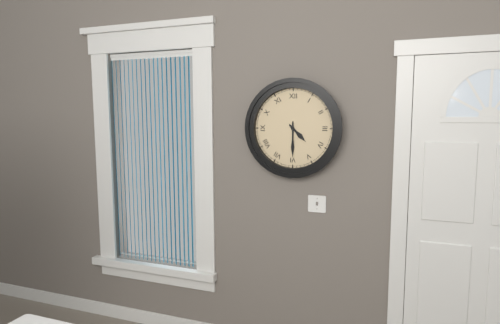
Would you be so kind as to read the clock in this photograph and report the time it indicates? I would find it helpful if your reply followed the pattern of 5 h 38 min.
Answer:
4 h 30 min
